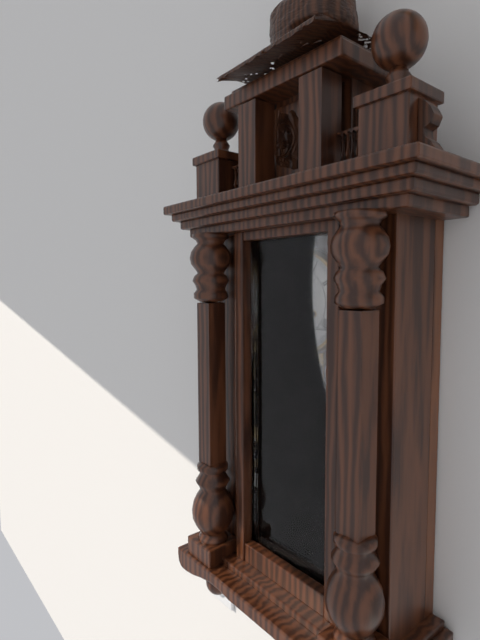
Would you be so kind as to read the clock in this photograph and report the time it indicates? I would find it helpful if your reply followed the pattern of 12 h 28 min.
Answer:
10 h 37 min
